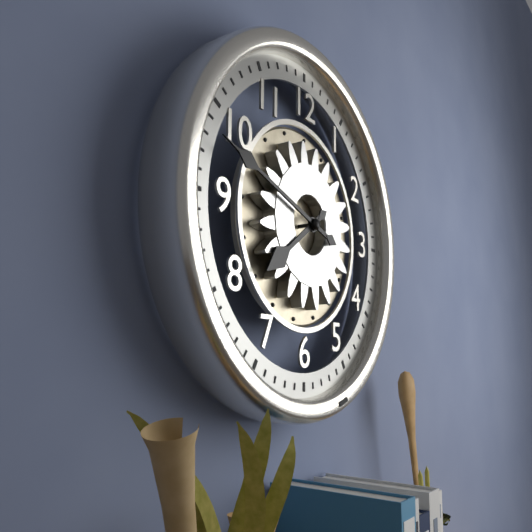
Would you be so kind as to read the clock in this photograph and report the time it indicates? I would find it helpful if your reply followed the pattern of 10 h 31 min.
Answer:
7 h 48 min
